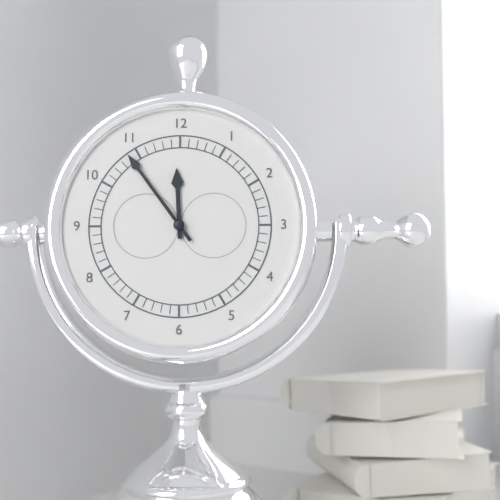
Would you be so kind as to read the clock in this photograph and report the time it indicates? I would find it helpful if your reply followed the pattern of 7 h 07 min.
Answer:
11 h 54 min
